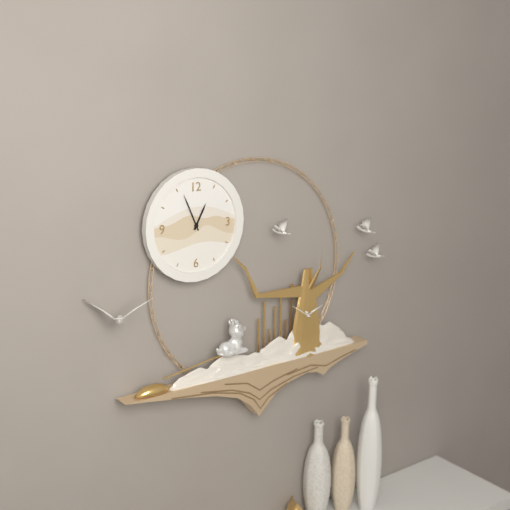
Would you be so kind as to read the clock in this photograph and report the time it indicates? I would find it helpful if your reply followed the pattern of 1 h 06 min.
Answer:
12 h 56 min
